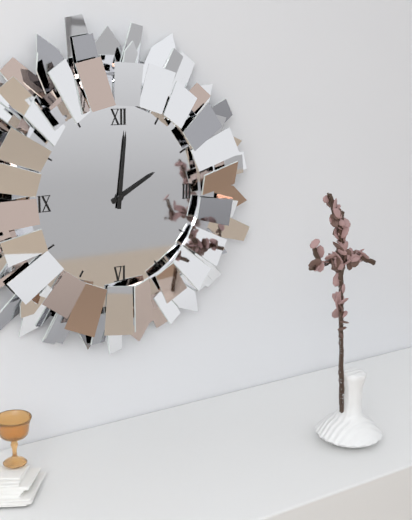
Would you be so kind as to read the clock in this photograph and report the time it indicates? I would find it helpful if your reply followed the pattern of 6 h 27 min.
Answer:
2 h 01 min
